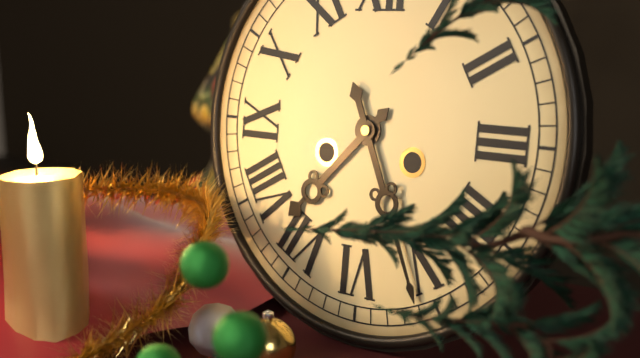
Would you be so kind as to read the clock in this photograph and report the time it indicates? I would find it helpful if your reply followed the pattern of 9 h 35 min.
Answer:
7 h 26 min
